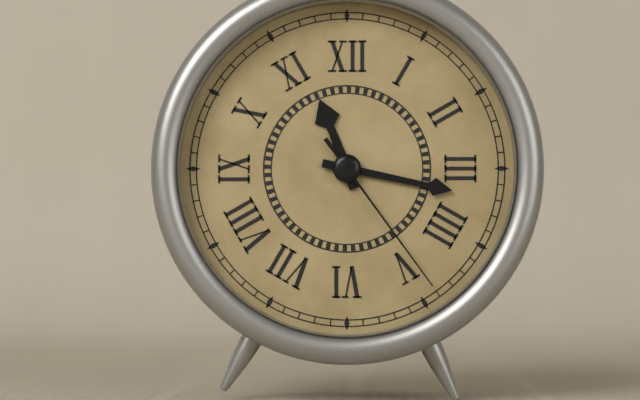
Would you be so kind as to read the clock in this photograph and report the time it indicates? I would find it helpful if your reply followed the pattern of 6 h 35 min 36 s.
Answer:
11 h 17 min 24 s
